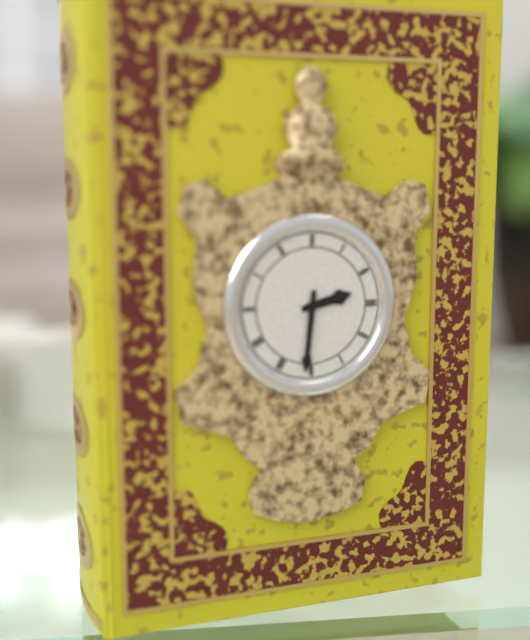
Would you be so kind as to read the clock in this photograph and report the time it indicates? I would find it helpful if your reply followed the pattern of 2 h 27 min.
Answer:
2 h 31 min
